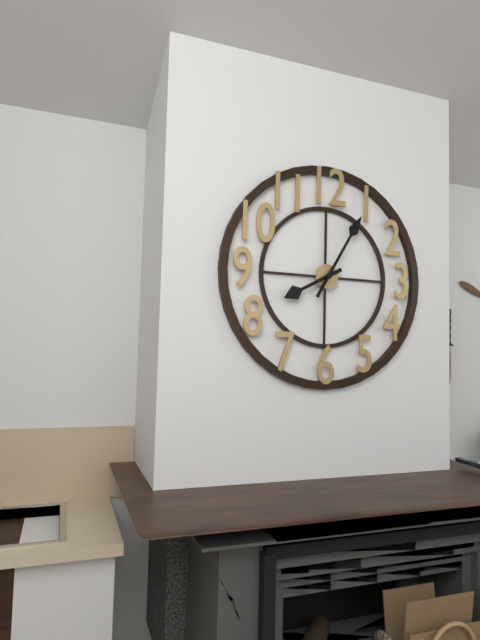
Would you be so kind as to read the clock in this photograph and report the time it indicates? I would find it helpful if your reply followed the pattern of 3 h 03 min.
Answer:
8 h 05 min
